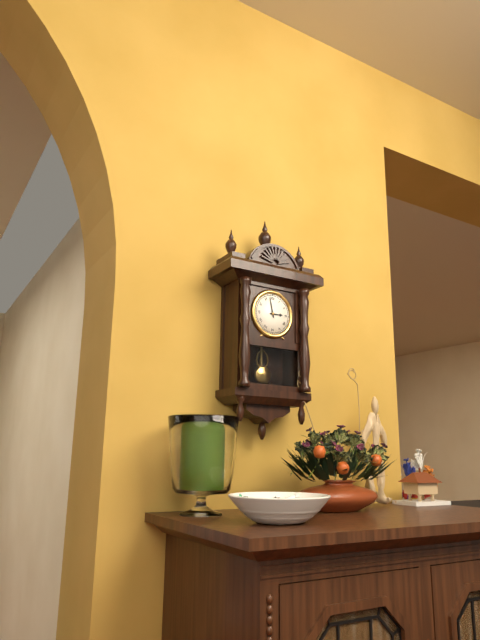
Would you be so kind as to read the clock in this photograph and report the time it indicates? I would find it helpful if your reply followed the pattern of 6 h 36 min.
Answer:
2 h 58 min
